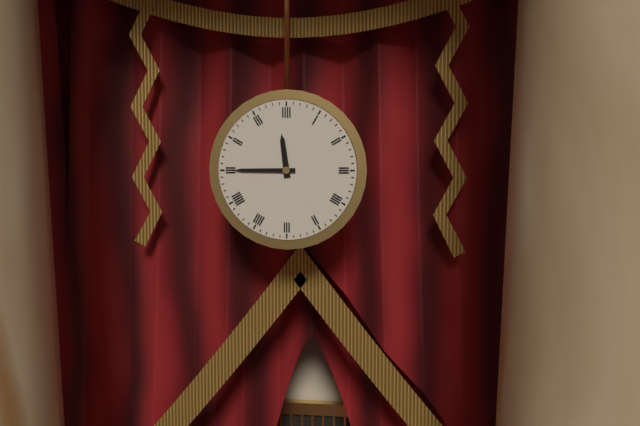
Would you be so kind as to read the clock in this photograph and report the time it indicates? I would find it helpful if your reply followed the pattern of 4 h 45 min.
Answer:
11 h 45 min
